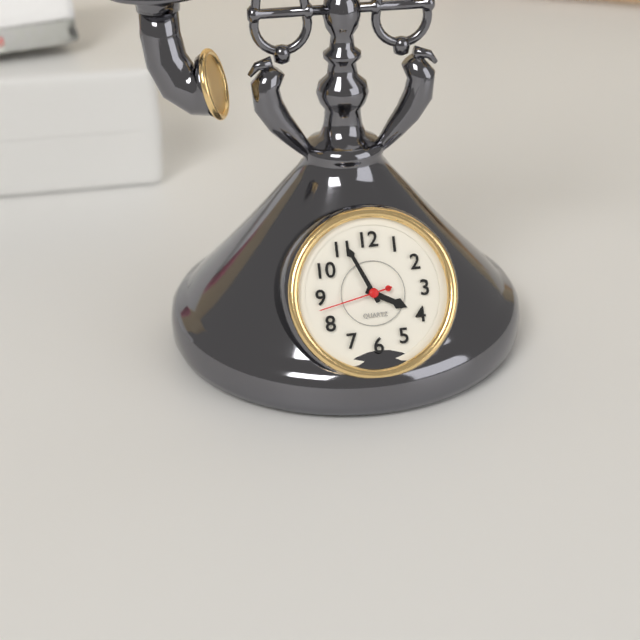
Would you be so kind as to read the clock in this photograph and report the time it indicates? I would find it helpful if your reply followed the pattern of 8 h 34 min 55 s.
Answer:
3 h 56 min 43 s
